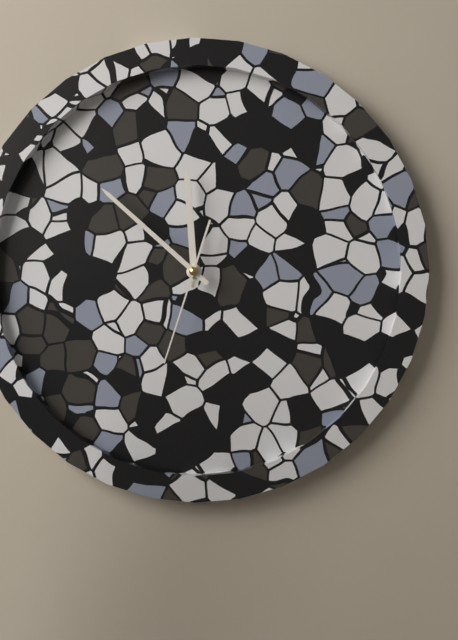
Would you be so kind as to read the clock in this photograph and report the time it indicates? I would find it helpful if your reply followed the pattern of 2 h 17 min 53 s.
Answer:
11 h 52 min 33 s
